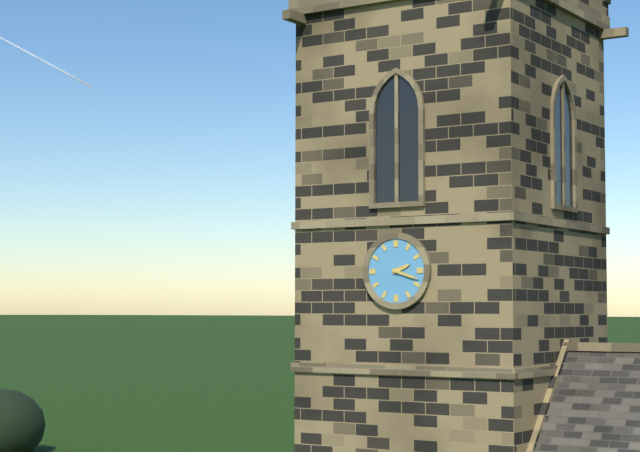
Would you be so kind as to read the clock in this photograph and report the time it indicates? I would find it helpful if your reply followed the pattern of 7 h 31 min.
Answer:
2 h 18 min
